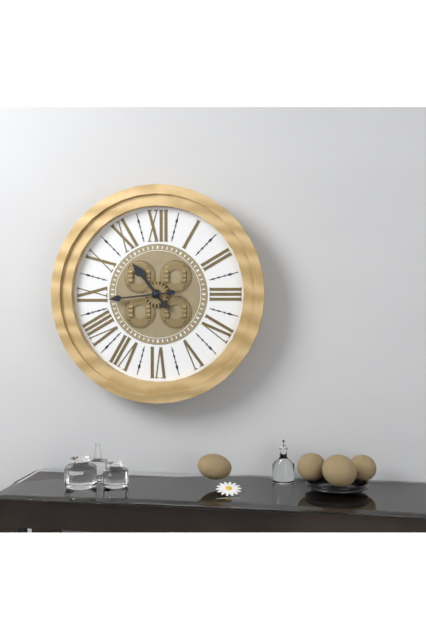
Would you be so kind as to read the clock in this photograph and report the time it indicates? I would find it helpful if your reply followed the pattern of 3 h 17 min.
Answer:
10 h 44 min
